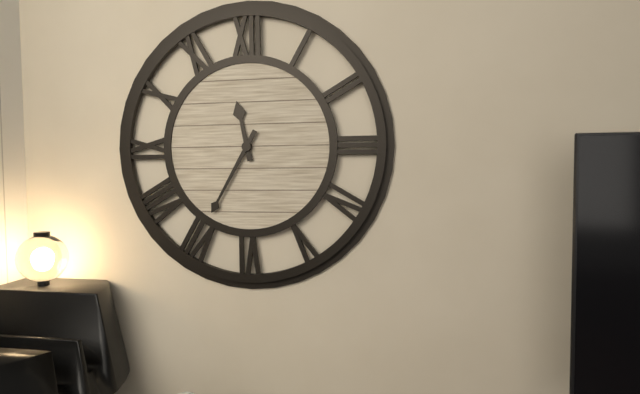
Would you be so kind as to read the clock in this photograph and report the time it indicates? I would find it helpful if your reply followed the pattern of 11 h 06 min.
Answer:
11 h 35 min
